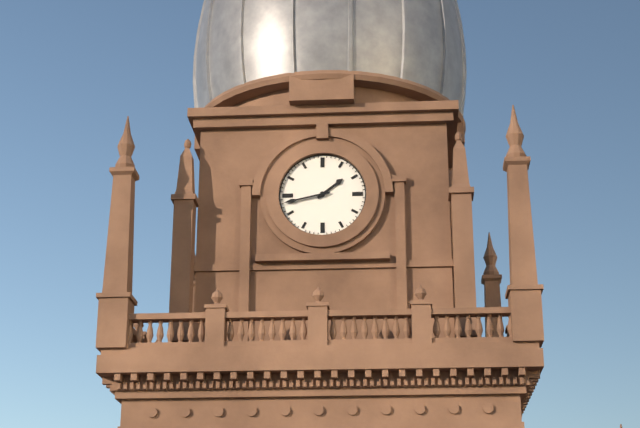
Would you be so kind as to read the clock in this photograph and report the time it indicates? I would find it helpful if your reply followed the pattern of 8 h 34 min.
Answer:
1 h 43 min
